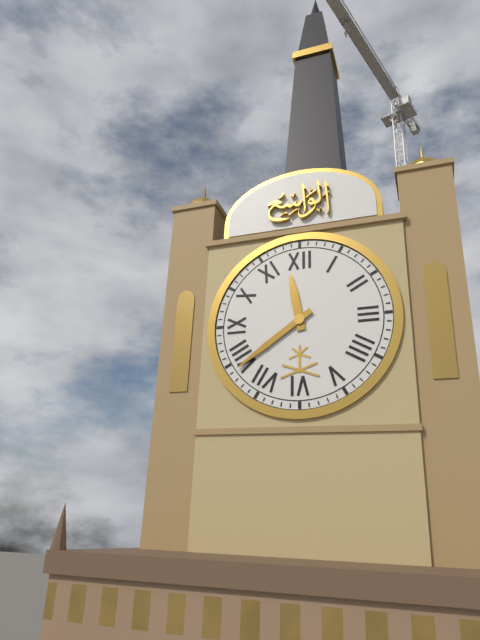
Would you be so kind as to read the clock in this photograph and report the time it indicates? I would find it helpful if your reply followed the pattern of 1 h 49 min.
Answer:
11 h 39 min
